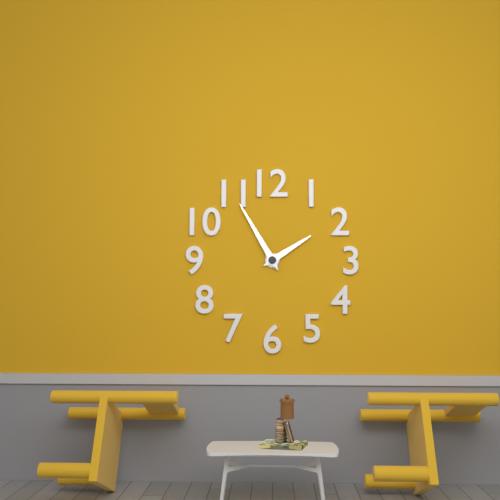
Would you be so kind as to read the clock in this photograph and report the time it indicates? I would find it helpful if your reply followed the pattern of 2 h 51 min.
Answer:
1 h 55 min
